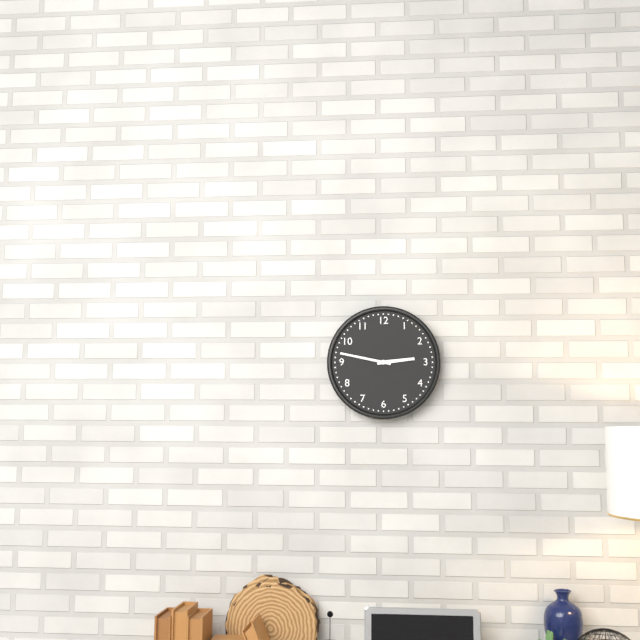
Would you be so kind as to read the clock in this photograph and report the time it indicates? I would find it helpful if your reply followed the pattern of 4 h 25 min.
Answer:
2 h 47 min
